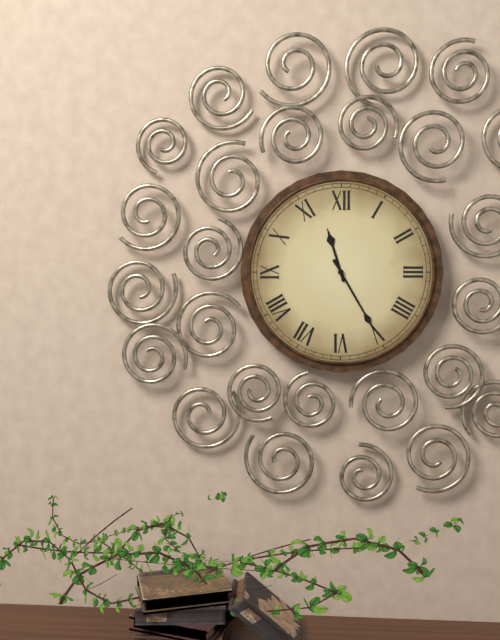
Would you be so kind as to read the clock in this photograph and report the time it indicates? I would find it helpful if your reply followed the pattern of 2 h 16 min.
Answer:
11 h 25 min
